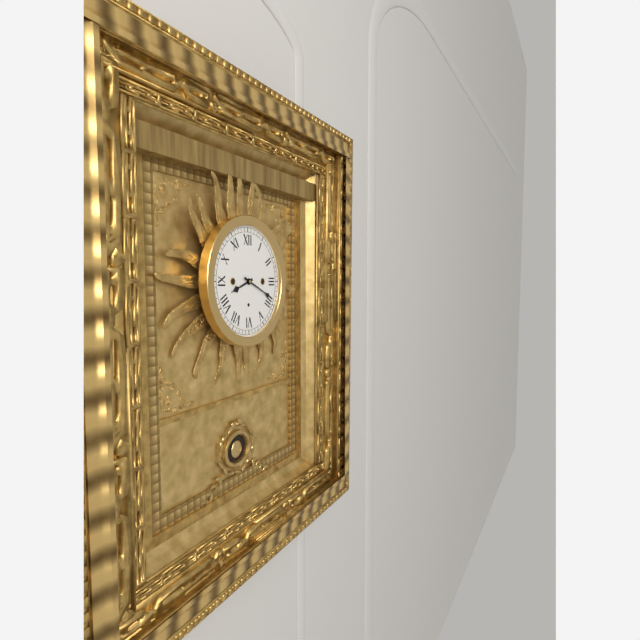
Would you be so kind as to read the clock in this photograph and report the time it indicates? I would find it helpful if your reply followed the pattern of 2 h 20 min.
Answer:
8 h 19 min
